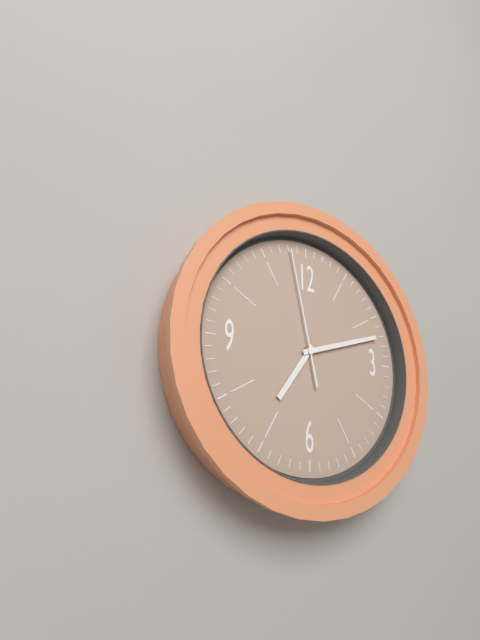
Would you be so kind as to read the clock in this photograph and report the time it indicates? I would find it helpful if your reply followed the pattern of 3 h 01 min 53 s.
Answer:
7 h 12 min 58 s
